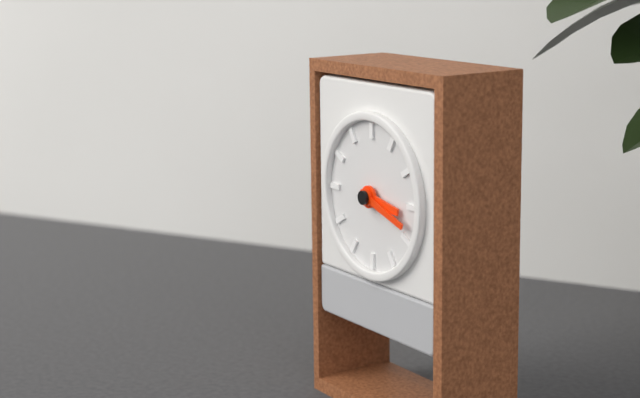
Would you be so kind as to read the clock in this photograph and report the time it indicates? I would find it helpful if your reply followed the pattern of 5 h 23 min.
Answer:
3 h 18 min
